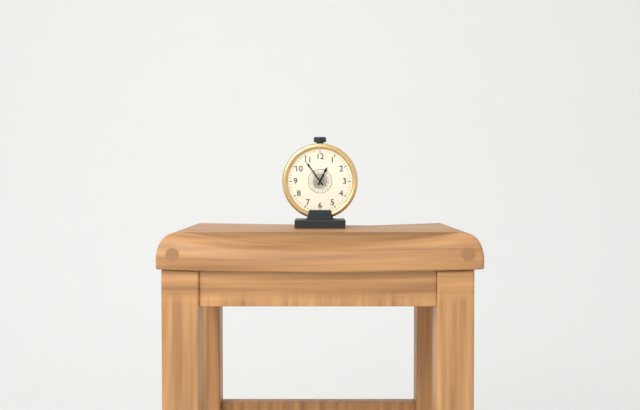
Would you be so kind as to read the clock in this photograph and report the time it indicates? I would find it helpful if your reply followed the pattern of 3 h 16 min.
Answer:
12 h 54 min
